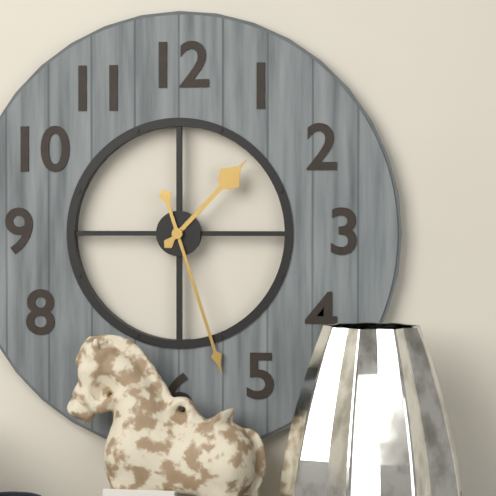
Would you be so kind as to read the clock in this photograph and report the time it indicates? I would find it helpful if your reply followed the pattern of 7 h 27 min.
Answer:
1 h 27 min
